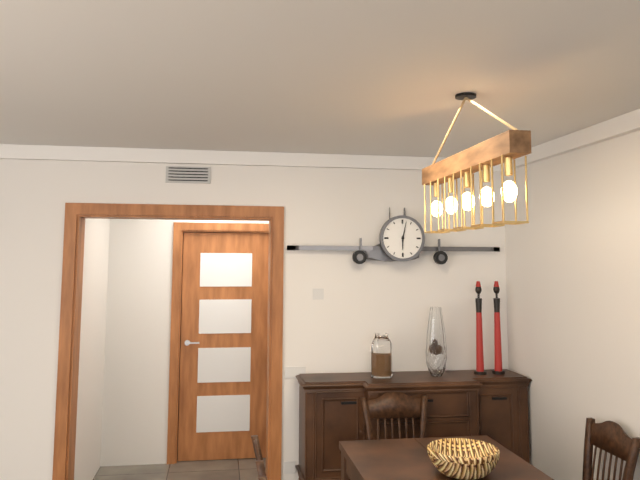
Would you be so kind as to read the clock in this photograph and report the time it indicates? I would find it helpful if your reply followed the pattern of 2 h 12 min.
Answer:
6 h 02 min
